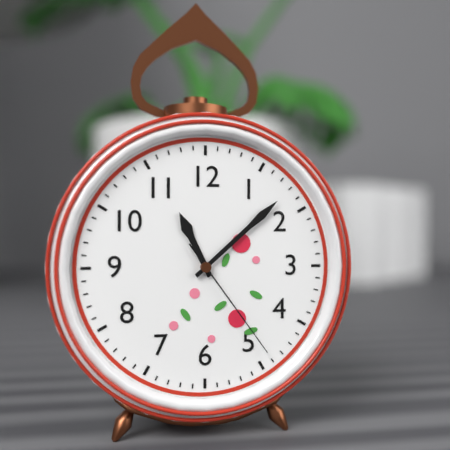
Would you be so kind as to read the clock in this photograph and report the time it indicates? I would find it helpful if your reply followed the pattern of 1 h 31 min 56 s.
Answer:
11 h 08 min 24 s
